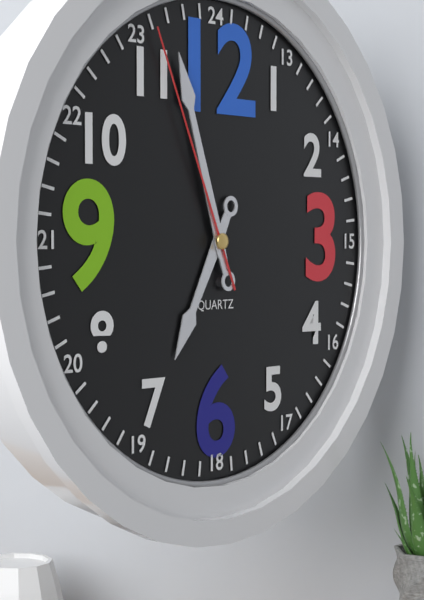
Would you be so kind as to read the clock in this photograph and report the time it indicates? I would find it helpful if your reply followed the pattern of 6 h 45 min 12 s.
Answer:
6 h 57 min 56 s
